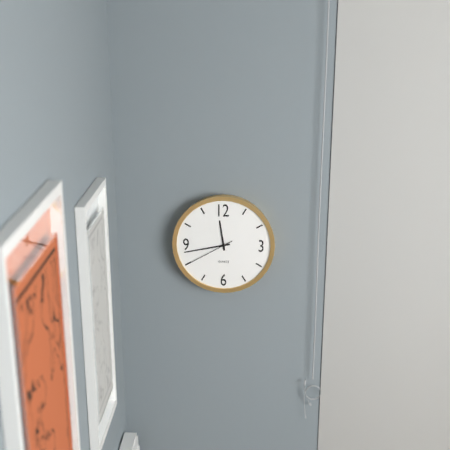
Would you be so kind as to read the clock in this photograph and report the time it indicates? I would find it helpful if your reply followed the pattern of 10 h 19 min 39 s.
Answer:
11 h 43 min 40 s
